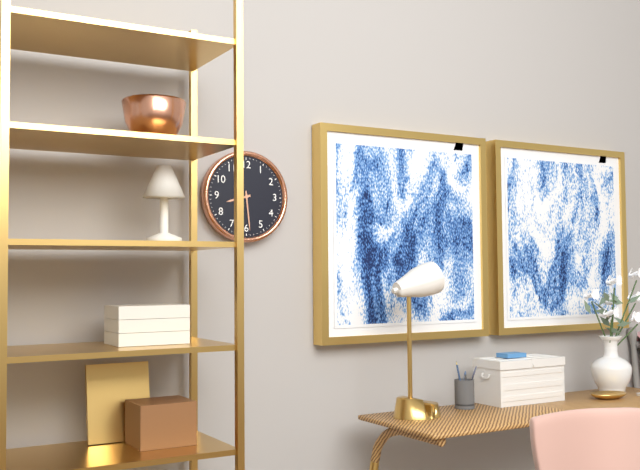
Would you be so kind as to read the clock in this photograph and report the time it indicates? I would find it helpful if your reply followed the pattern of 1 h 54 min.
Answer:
8 h 29 min
